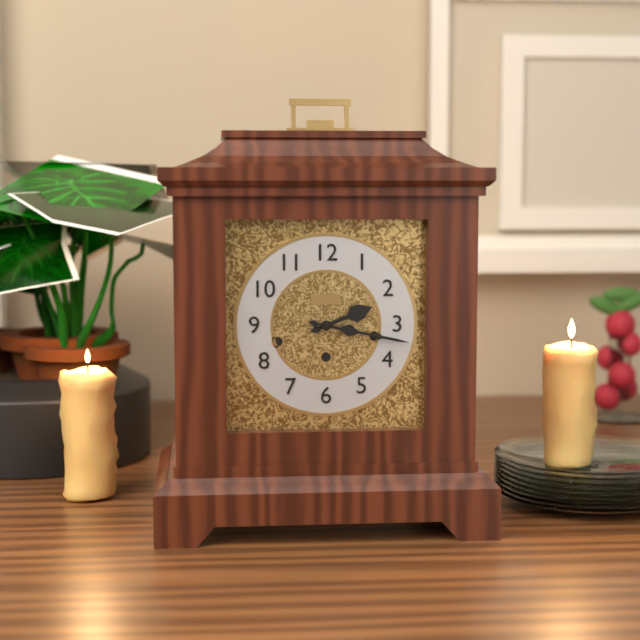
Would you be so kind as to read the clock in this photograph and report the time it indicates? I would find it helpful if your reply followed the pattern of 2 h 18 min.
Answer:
2 h 17 min
